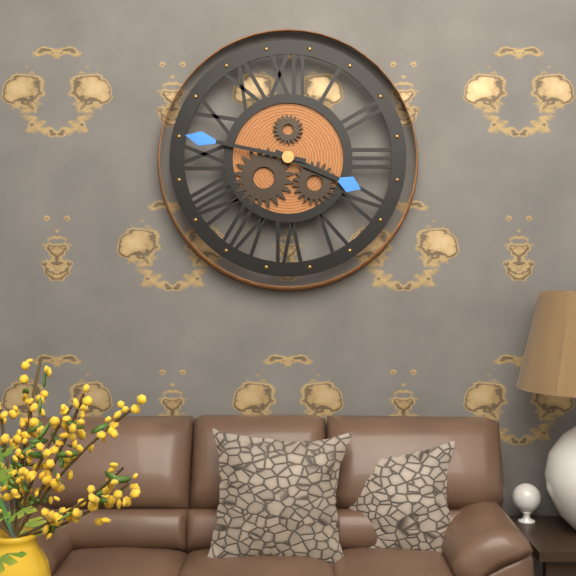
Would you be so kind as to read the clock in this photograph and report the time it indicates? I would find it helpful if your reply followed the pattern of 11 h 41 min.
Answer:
3 h 47 min
